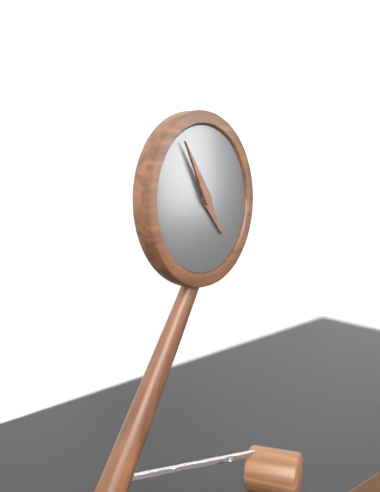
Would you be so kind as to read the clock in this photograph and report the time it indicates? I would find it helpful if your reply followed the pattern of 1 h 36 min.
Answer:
4 h 55 min
